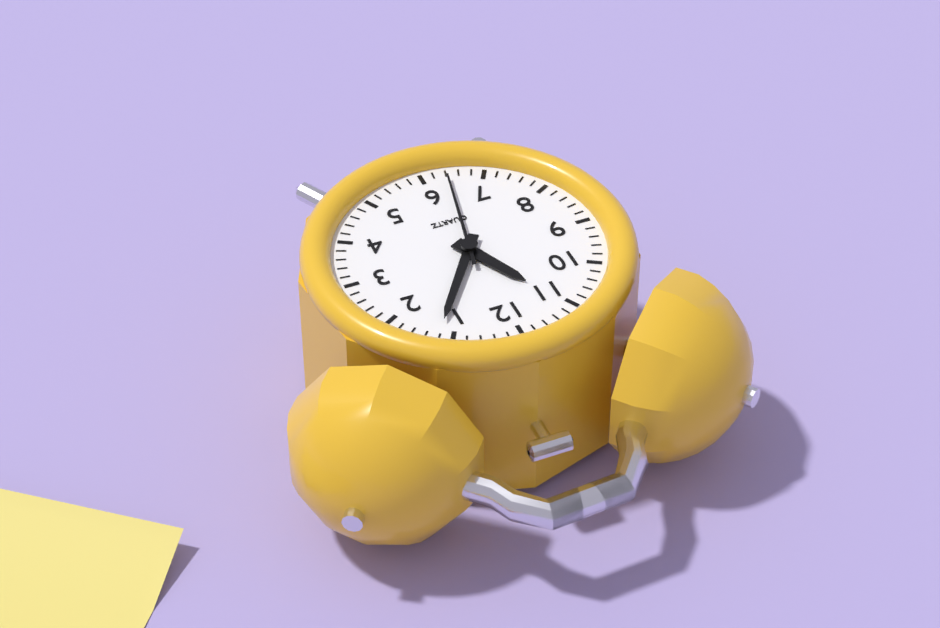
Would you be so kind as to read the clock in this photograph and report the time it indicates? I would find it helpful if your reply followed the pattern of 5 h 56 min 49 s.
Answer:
11 h 06 min 32 s
